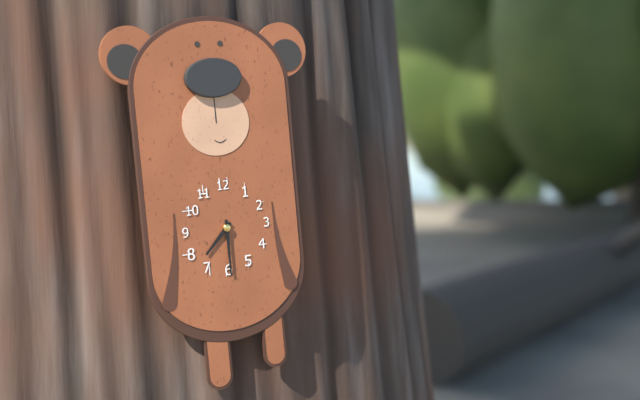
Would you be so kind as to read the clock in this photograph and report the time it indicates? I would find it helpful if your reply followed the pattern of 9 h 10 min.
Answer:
7 h 30 min
